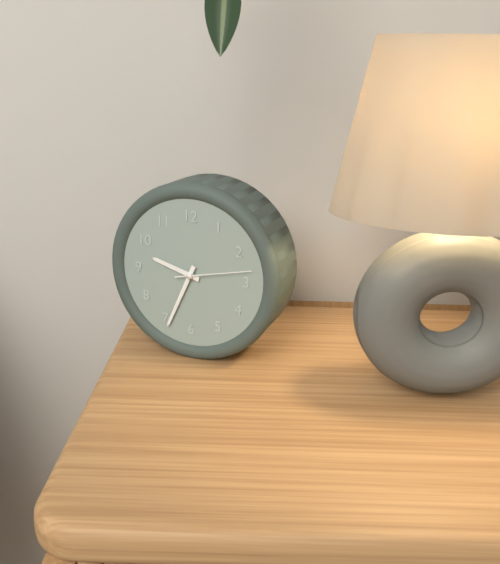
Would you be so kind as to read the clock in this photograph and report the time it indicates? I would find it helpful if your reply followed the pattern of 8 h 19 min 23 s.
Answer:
9 h 34 min 13 s
